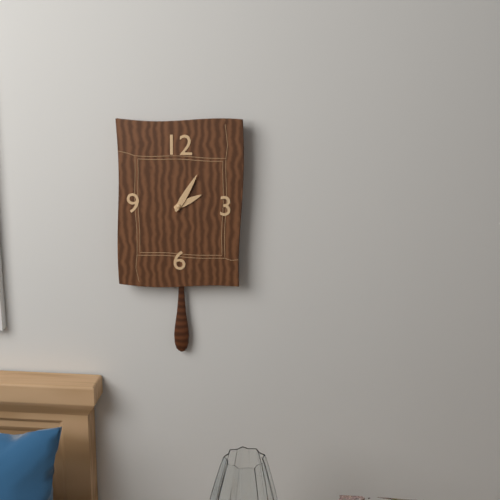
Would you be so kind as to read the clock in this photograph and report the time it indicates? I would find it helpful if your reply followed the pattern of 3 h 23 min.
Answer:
2 h 05 min
